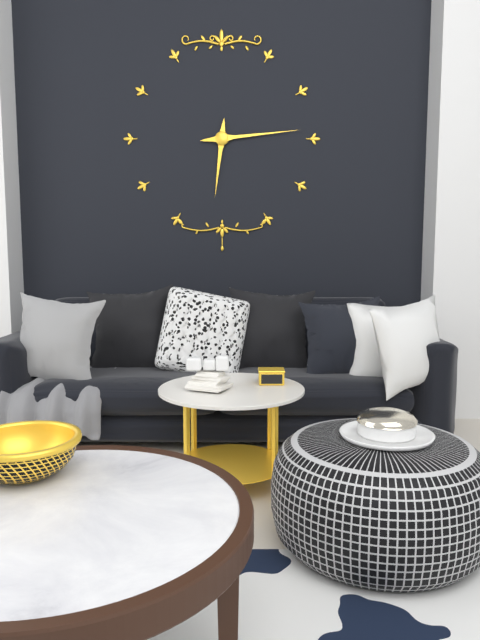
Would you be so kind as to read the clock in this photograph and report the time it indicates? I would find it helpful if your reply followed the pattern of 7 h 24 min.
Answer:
6 h 14 min
